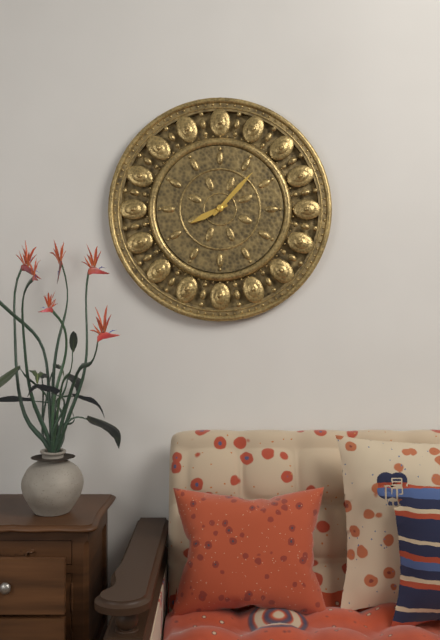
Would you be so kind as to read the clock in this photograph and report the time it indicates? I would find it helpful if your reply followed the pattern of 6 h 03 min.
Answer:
8 h 07 min
